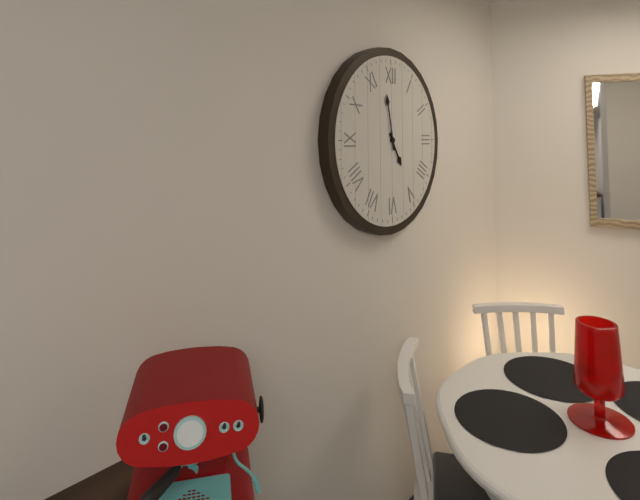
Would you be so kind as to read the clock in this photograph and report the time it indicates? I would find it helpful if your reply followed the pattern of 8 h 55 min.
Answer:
4 h 58 min
